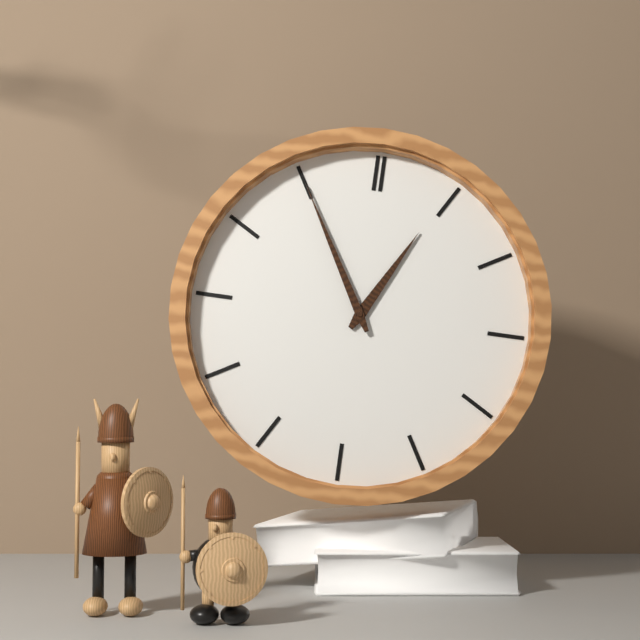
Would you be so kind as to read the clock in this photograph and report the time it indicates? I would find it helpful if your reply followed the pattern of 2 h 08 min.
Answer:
12 h 55 min
